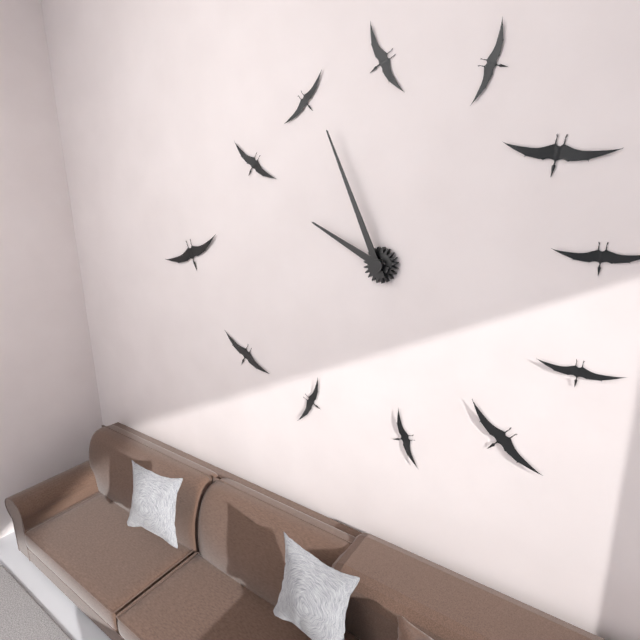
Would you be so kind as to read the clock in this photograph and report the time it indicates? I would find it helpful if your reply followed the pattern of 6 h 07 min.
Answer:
9 h 56 min
